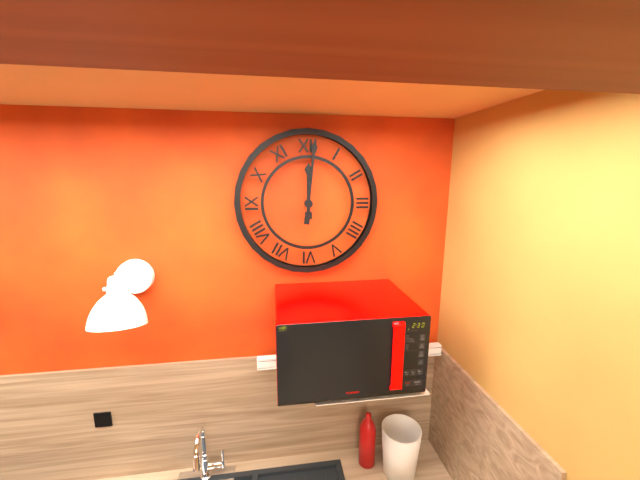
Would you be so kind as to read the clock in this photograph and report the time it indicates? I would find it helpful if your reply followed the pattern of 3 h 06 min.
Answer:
12 h 01 min
